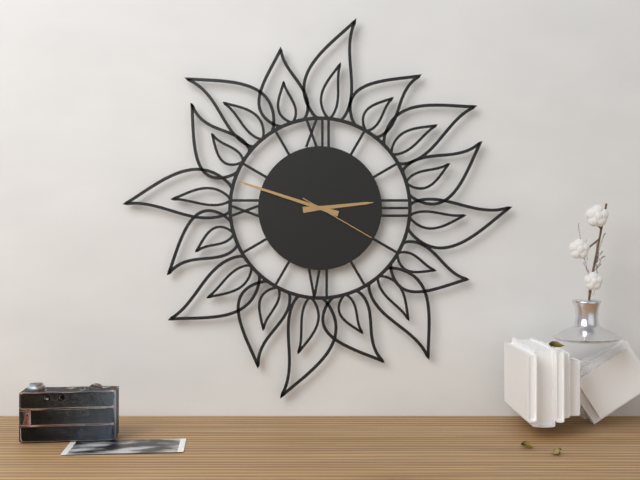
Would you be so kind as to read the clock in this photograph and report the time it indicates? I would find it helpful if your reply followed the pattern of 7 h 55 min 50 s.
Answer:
2 h 48 min 20 s
